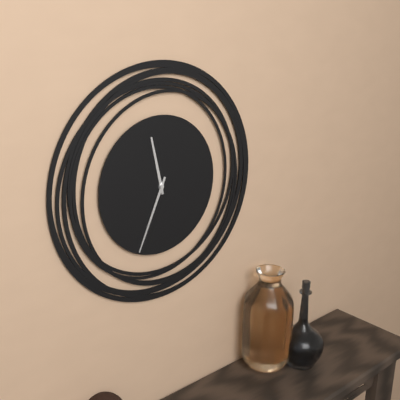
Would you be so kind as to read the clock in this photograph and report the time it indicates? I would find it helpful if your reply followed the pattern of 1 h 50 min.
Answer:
11 h 34 min
